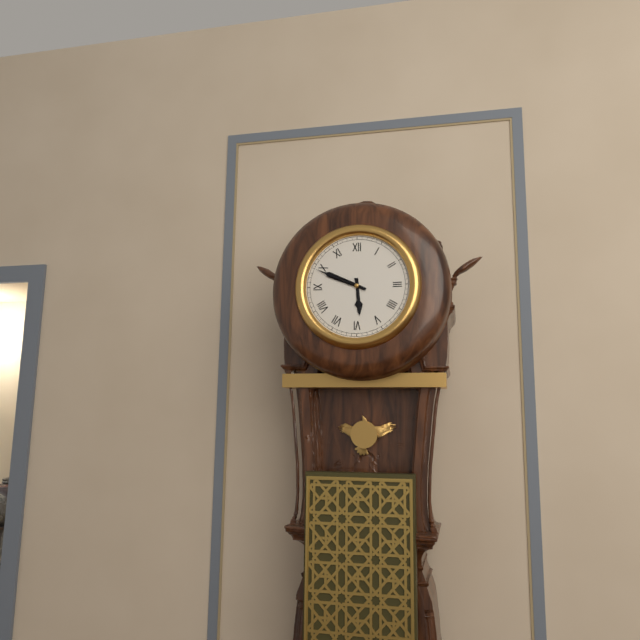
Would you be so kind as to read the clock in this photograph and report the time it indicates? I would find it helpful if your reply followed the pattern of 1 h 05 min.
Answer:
5 h 49 min
